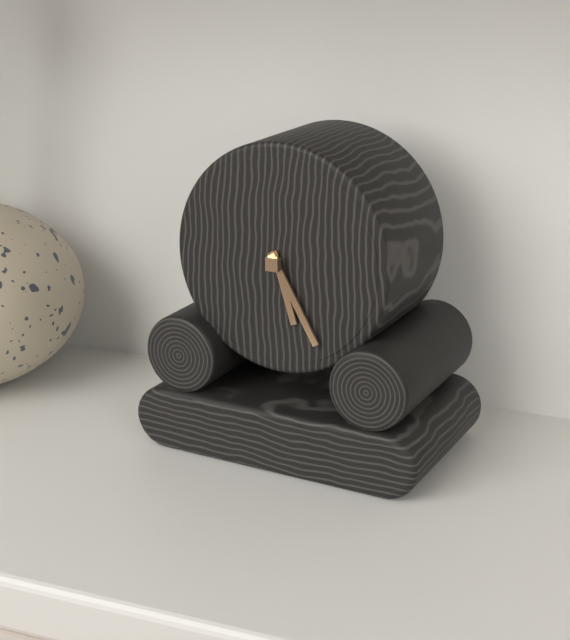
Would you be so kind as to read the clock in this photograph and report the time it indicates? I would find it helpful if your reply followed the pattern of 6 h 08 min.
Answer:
5 h 25 min
